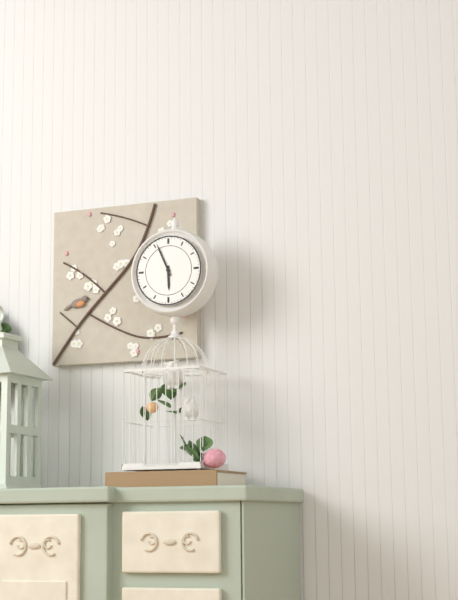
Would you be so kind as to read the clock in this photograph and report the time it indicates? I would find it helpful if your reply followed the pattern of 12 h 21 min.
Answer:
5 h 56 min
